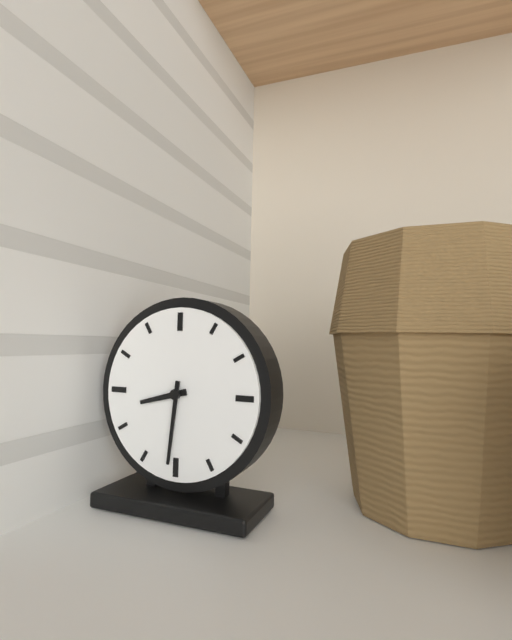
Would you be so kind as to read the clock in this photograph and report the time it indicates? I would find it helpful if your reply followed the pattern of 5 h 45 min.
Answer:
8 h 31 min
